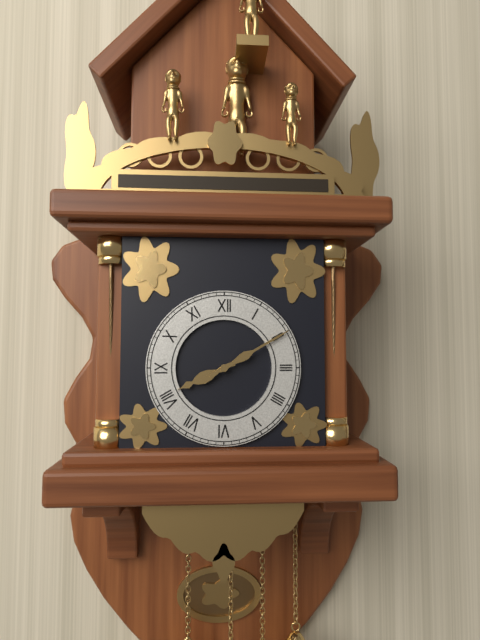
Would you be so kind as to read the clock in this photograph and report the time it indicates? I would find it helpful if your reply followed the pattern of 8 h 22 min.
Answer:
8 h 10 min
